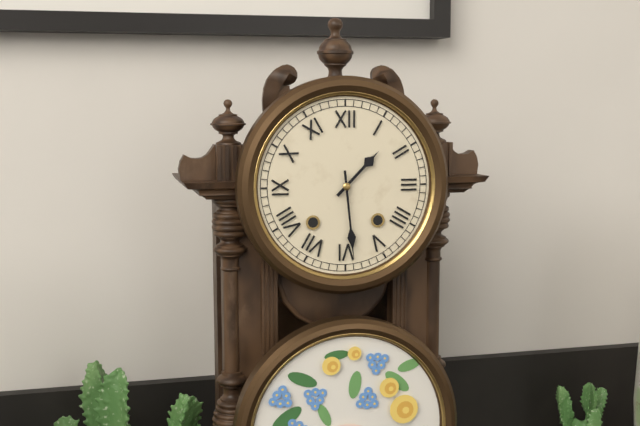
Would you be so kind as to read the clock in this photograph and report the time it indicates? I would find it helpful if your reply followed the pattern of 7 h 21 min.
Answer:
1 h 29 min
